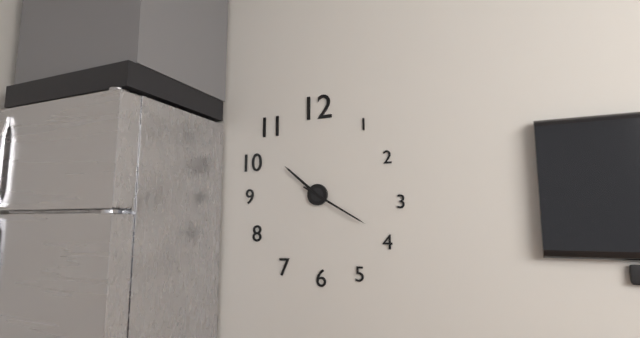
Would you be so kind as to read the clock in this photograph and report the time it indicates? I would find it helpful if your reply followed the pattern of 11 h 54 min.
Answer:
10 h 20 min
